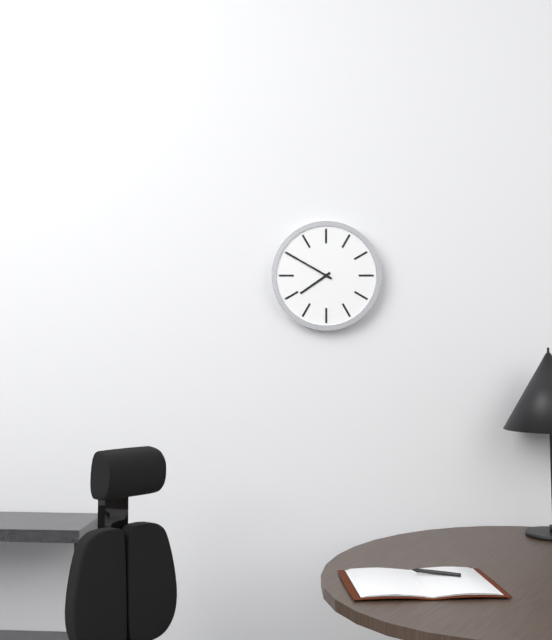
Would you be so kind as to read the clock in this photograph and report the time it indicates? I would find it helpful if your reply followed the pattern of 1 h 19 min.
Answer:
7 h 50 min
